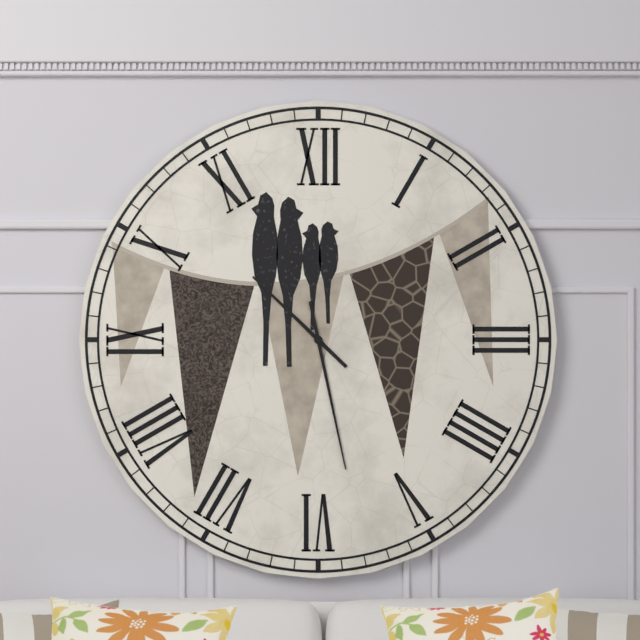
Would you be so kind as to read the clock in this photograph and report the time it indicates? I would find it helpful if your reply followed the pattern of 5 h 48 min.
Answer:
10 h 28 min
